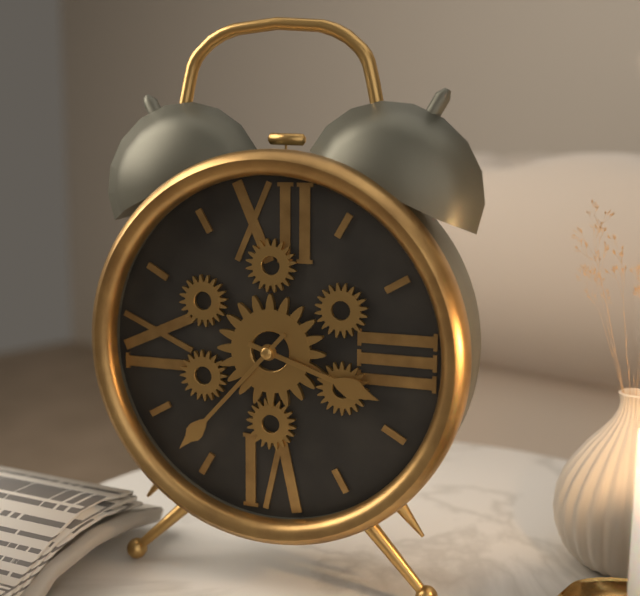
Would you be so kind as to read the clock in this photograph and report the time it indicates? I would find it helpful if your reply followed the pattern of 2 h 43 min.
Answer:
3 h 37 min
